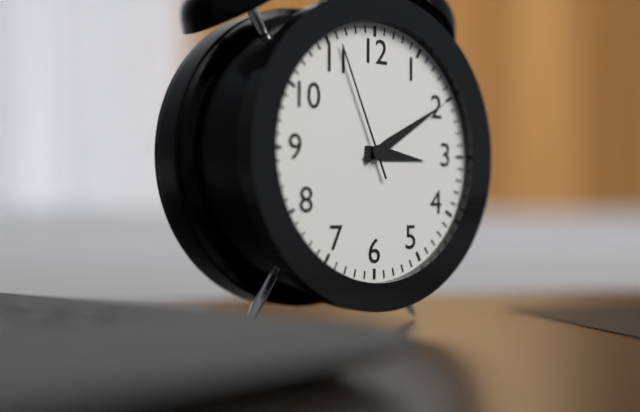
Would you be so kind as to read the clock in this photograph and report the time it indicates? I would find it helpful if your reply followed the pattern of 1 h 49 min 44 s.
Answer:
3 h 10 min 56 s
